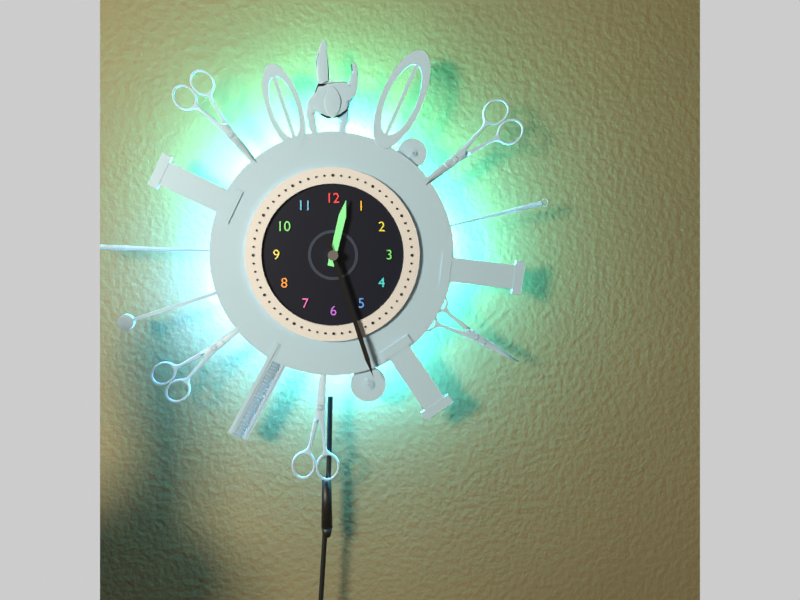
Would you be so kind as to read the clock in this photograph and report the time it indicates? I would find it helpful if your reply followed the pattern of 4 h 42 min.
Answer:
12 h 27 min
